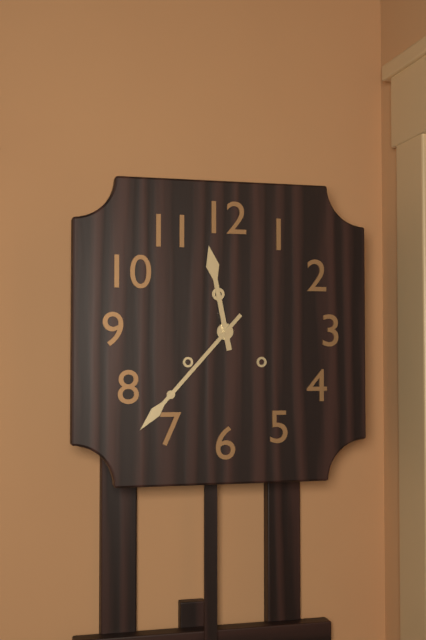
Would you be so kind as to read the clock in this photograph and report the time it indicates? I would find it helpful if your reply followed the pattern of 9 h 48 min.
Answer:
11 h 37 min
